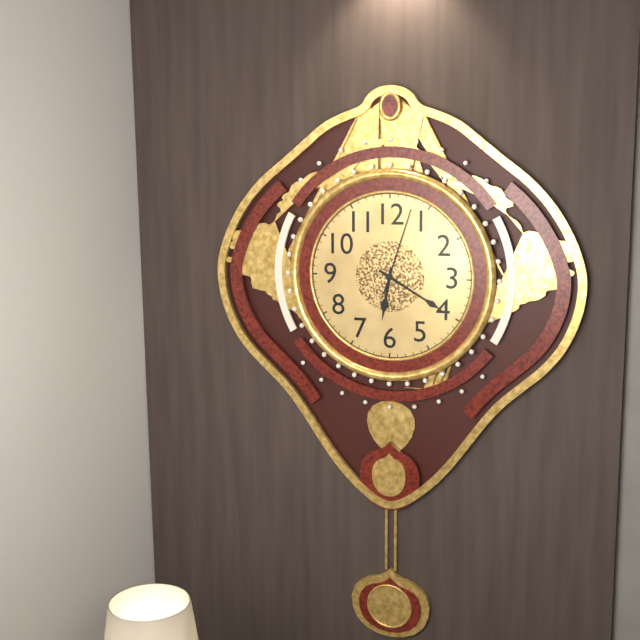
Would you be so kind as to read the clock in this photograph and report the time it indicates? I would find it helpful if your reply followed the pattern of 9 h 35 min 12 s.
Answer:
6 h 20 min 03 s
